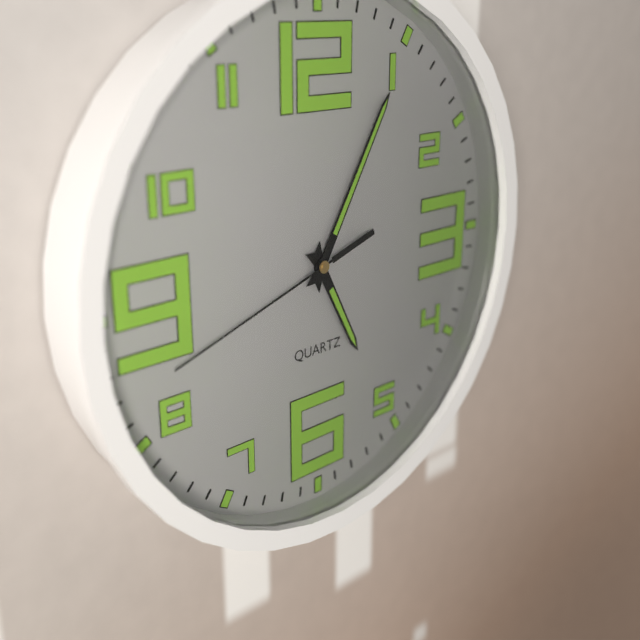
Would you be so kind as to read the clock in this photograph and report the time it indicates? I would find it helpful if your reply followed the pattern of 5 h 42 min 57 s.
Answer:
5 h 05 min 42 s
